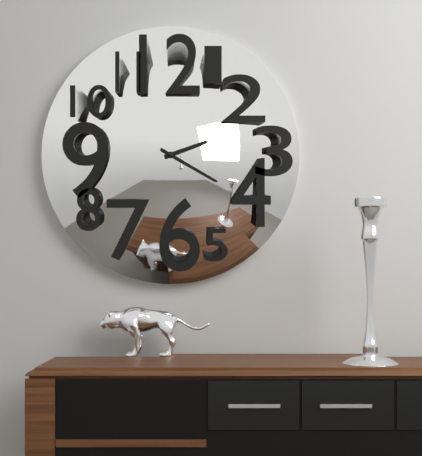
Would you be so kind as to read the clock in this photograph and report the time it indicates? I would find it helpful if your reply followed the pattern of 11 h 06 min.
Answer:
2 h 20 min
